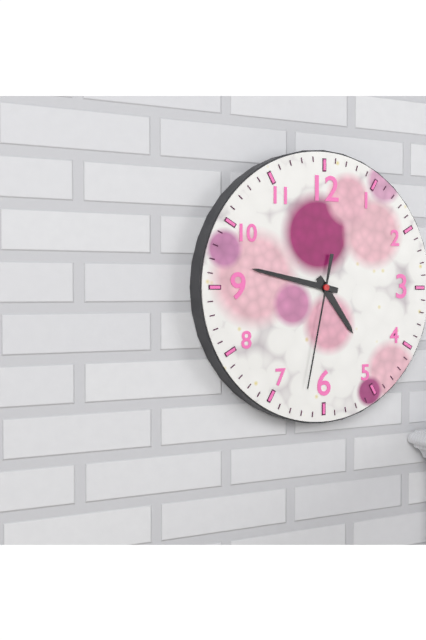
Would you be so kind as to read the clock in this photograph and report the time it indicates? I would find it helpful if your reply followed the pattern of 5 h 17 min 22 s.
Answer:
4 h 47 min 32 s
